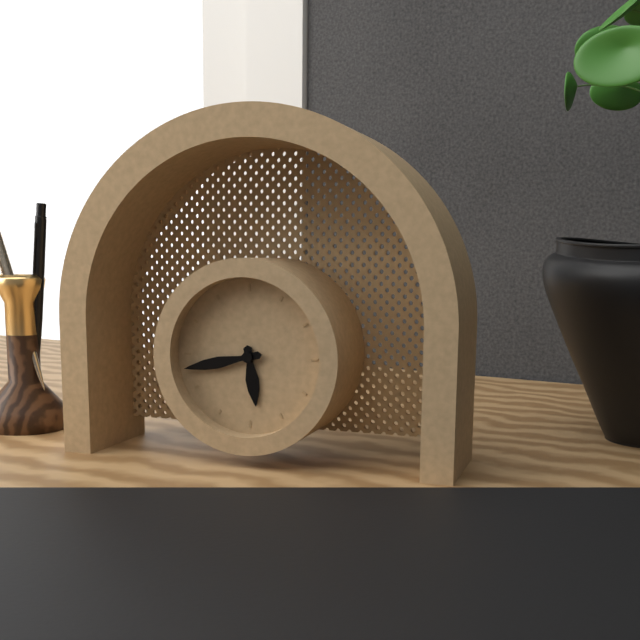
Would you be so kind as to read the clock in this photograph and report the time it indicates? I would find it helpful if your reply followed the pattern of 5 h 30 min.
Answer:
5 h 43 min
